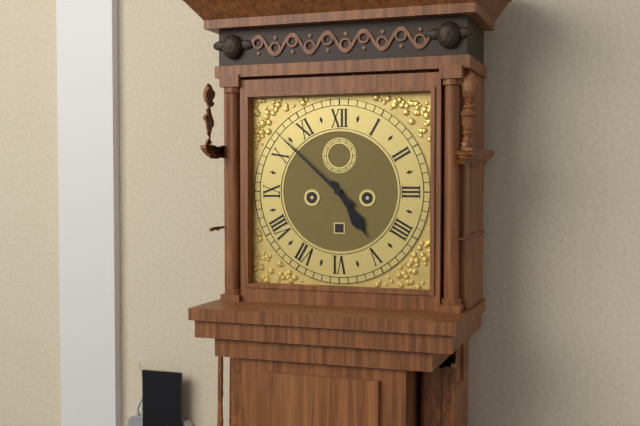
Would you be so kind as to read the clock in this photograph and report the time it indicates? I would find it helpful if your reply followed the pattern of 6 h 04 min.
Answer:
4 h 52 min
